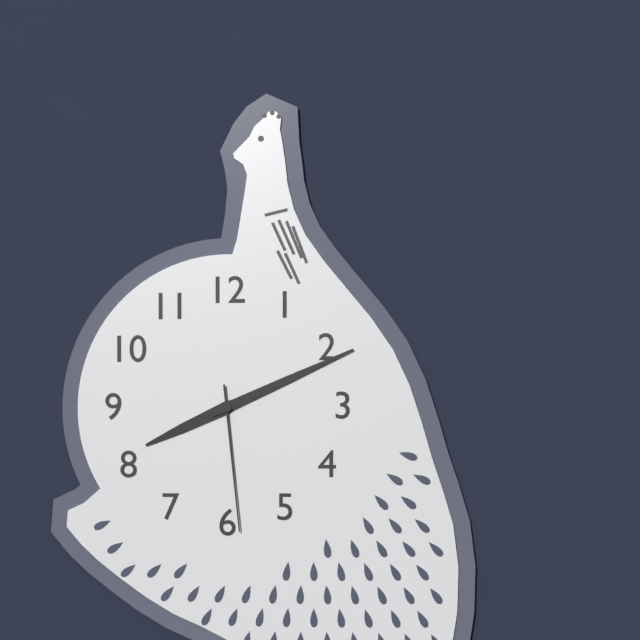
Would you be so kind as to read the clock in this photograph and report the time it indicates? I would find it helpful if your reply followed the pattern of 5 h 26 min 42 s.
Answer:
8 h 11 min 29 s
